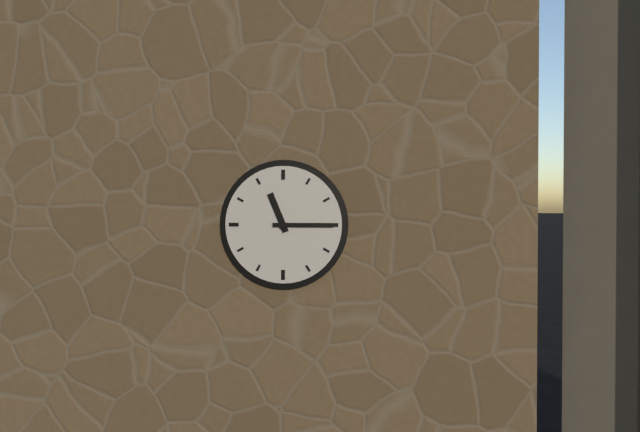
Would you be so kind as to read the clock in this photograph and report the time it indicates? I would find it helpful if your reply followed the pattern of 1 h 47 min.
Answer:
11 h 15 min
